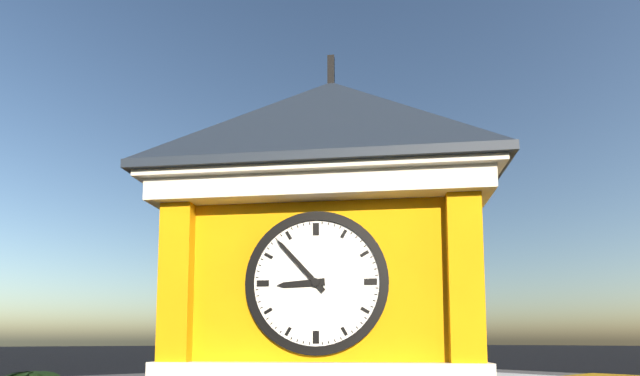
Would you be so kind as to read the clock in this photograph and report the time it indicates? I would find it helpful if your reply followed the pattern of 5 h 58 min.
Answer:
8 h 53 min
